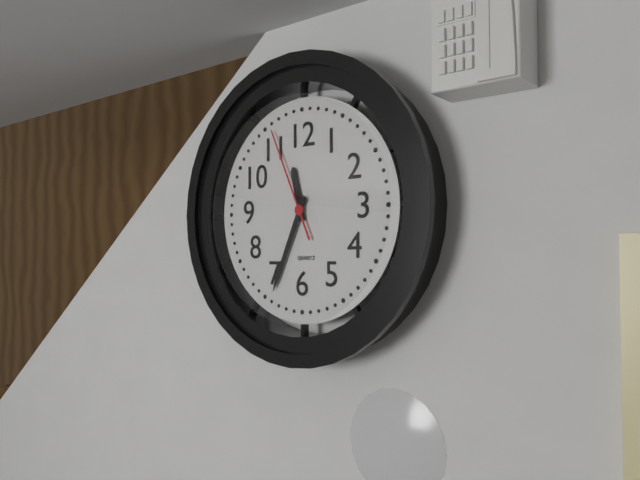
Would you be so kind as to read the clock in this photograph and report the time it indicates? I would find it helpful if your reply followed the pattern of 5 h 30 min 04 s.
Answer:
11 h 34 min 56 s
